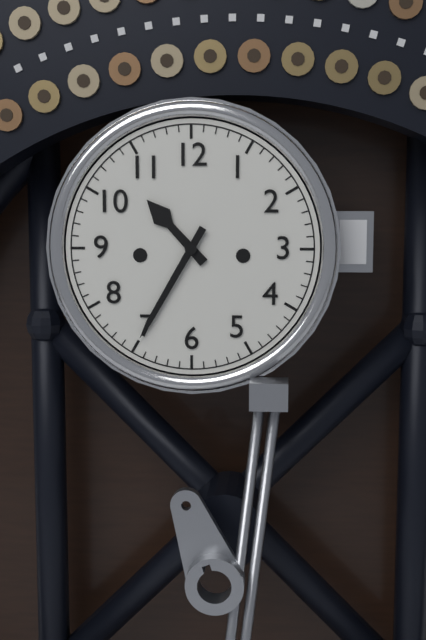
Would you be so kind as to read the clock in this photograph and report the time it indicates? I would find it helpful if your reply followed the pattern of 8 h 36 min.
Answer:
10 h 35 min
